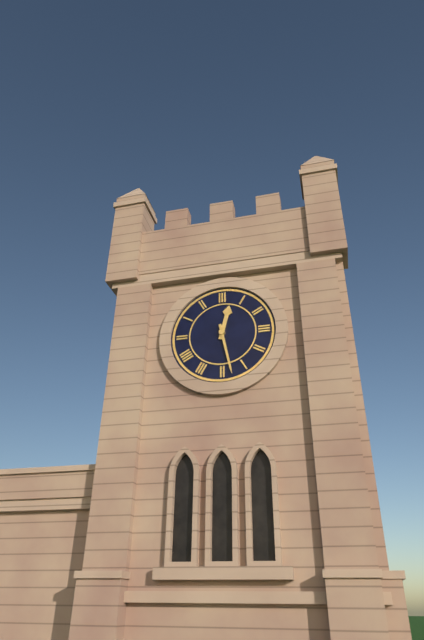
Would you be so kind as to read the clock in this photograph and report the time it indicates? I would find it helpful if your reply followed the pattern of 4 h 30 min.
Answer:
12 h 28 min
